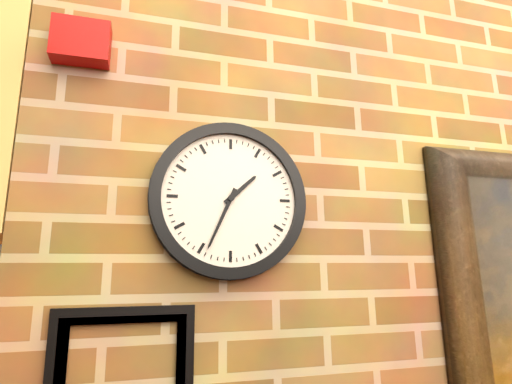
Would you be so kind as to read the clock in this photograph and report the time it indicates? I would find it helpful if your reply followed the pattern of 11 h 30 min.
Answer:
1 h 34 min
